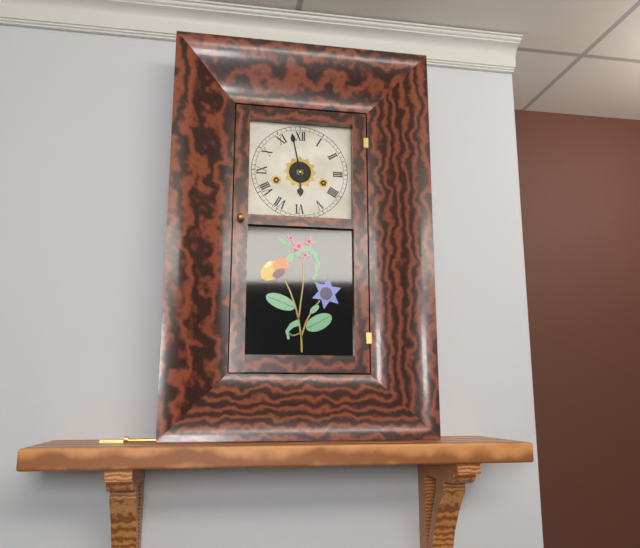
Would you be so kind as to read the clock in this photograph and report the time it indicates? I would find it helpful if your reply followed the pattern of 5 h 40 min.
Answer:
5 h 58 min
